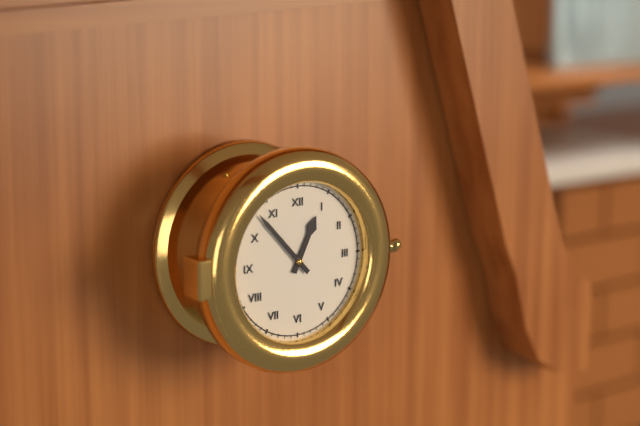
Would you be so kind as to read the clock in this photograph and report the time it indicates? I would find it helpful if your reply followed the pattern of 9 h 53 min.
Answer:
12 h 53 min
